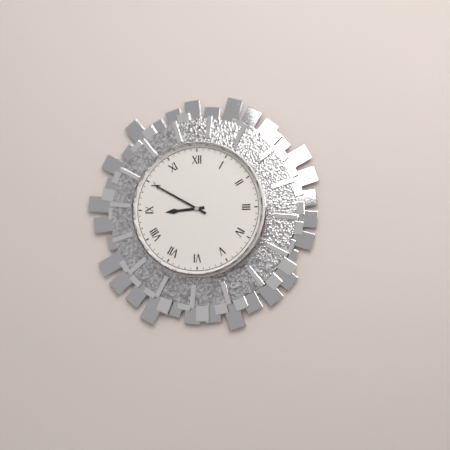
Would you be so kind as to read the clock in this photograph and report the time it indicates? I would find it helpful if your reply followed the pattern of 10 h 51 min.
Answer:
8 h 50 min
